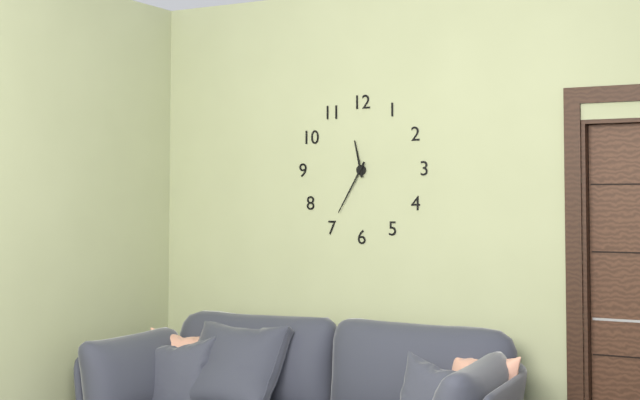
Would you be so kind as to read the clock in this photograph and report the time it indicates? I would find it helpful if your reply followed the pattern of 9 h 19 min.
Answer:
11 h 35 min
